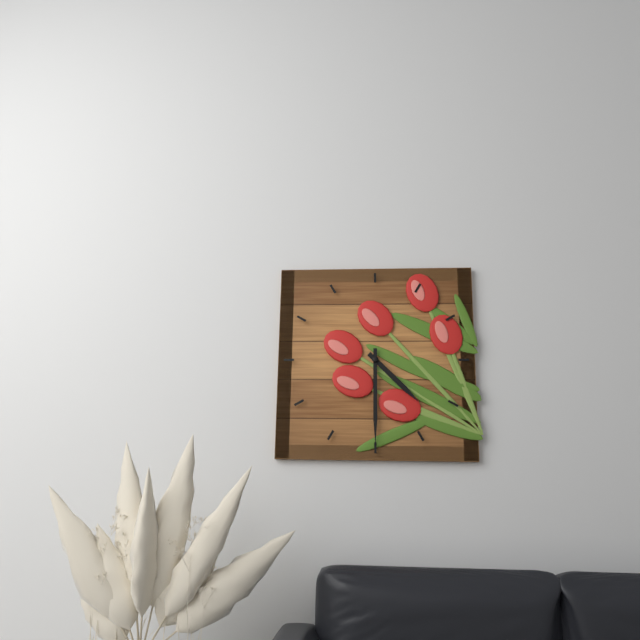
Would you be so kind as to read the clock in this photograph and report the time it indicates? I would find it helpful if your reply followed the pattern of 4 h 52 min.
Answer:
4 h 30 min
